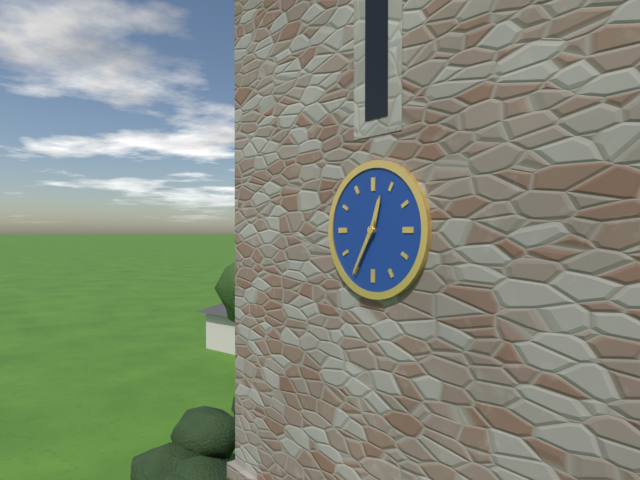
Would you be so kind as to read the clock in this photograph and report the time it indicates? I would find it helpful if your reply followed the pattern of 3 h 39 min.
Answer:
12 h 35 min
